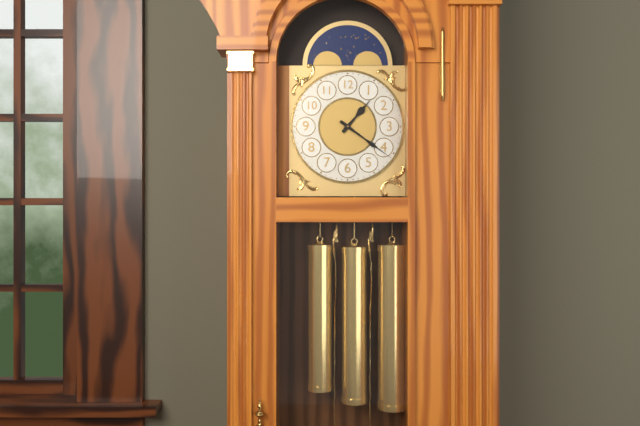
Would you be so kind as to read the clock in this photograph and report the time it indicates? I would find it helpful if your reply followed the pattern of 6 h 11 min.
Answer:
1 h 21 min
